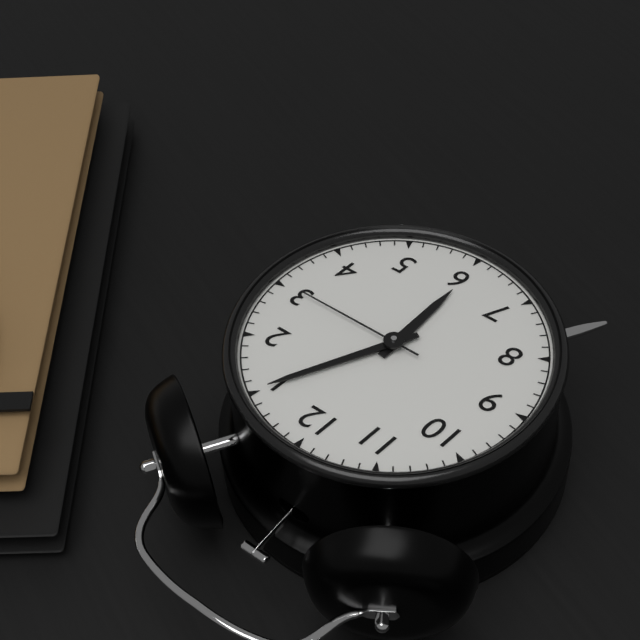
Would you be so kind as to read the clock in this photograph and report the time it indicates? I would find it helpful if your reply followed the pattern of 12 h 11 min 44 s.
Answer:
6 h 05 min 15 s
